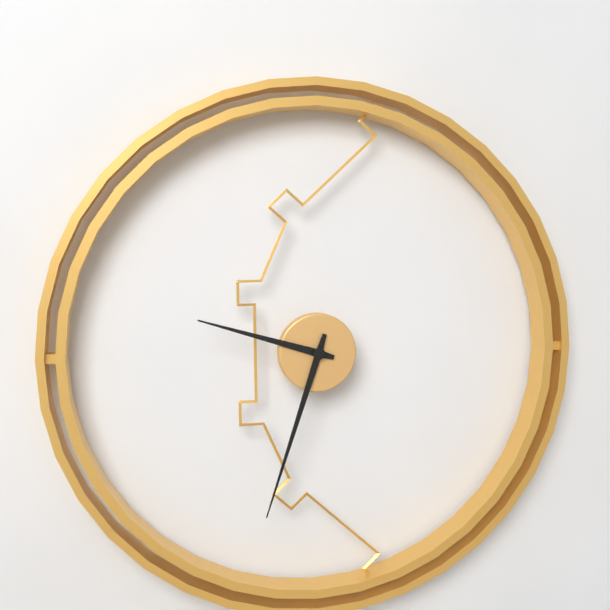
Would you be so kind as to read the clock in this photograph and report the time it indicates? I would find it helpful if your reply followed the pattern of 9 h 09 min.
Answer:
9 h 33 min
